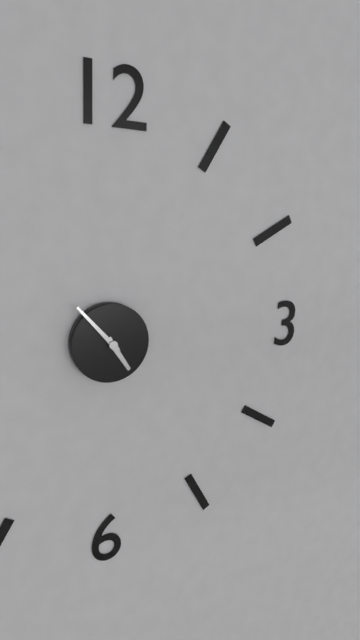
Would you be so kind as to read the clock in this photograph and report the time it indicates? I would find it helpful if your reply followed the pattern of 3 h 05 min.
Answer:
4 h 53 min
